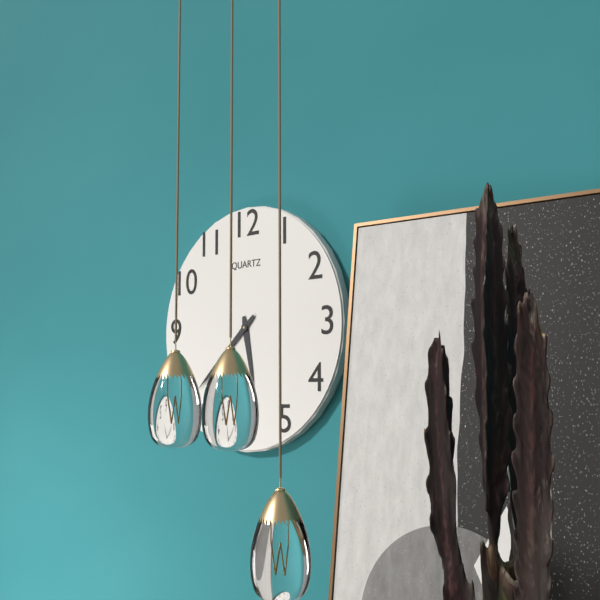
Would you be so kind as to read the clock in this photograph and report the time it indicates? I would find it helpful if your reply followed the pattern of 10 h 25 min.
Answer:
5 h 38 min
